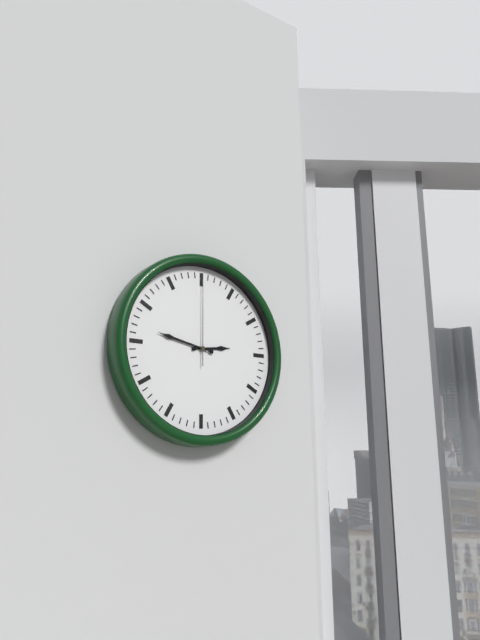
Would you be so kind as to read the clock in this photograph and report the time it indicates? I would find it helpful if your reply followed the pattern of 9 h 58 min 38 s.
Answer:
2 h 47 min 00 s
